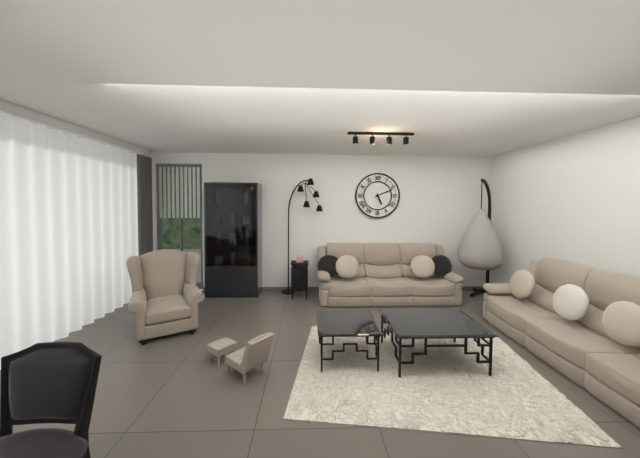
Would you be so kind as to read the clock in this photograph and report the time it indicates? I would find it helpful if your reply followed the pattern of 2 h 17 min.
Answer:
5 h 11 min
